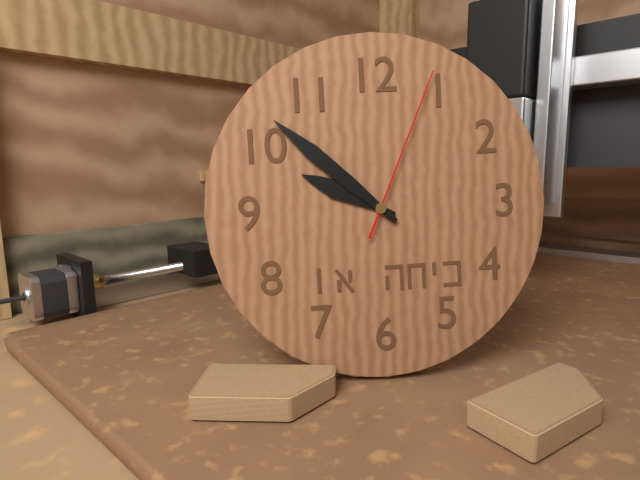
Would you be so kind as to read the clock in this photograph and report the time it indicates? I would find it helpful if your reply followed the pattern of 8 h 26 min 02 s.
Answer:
9 h 52 min 04 s
